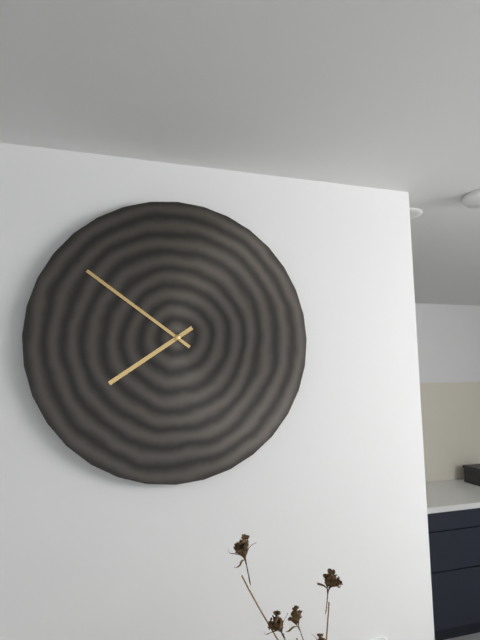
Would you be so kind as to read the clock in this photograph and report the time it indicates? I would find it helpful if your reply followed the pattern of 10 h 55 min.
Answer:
7 h 51 min
